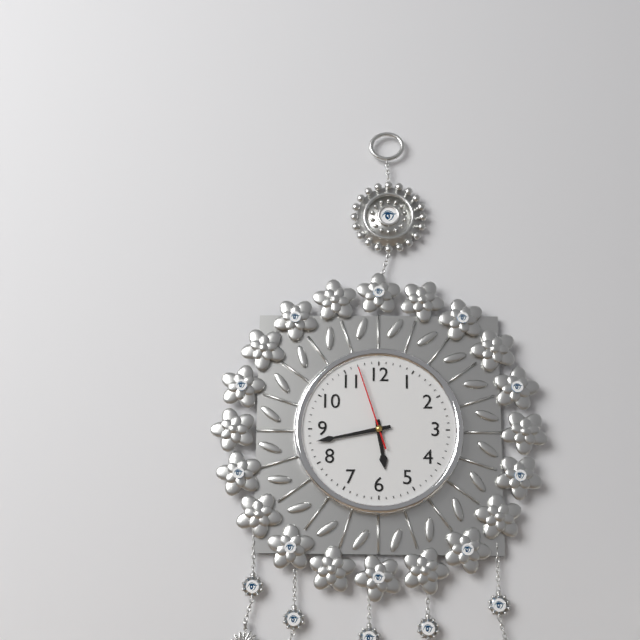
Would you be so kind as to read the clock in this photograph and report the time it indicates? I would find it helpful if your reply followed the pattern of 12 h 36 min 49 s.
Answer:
5 h 43 min 57 s
